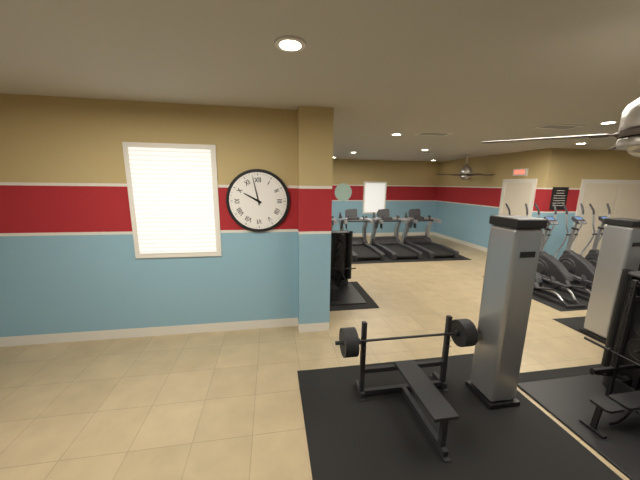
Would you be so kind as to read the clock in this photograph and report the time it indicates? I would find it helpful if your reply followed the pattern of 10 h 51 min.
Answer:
9 h 58 min
